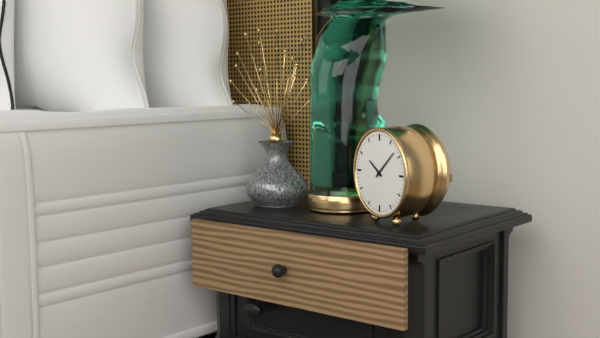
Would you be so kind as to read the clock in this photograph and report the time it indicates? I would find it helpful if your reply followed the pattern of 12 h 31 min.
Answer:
10 h 08 min
